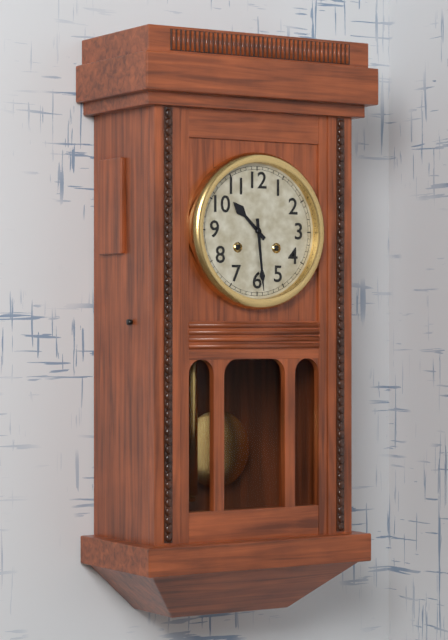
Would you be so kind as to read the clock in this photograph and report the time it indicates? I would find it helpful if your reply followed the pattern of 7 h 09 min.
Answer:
10 h 29 min
